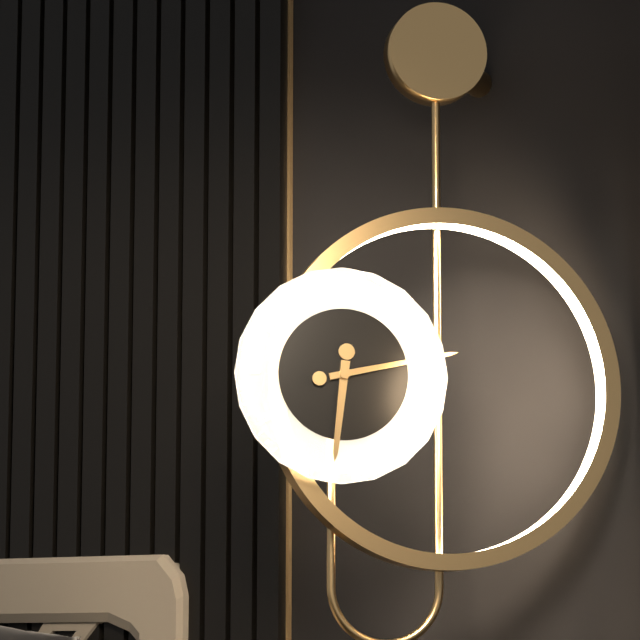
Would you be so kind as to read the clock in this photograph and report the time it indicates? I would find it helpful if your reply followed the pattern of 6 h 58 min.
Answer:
6 h 13 min
